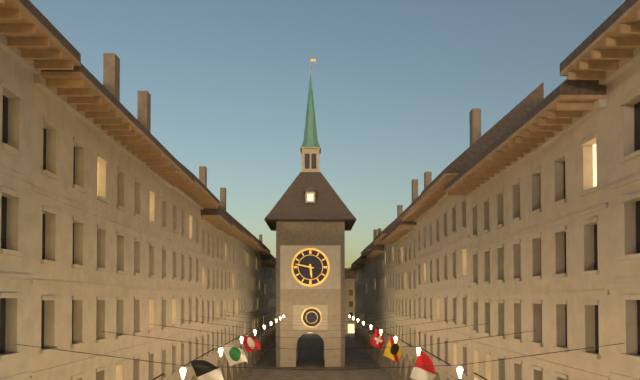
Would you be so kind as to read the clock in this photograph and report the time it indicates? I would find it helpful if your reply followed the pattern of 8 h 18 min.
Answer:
5 h 47 min
